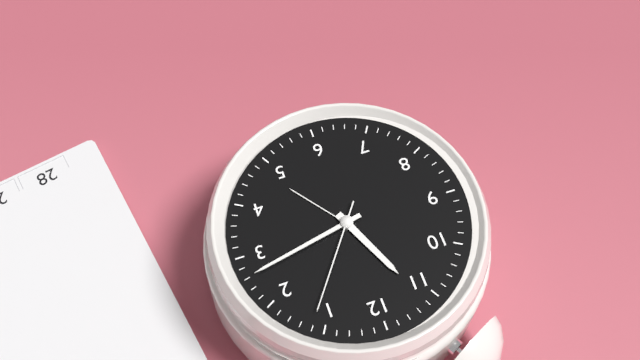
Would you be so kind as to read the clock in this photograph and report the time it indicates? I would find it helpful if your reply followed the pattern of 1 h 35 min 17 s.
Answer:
11 h 13 min 06 s
